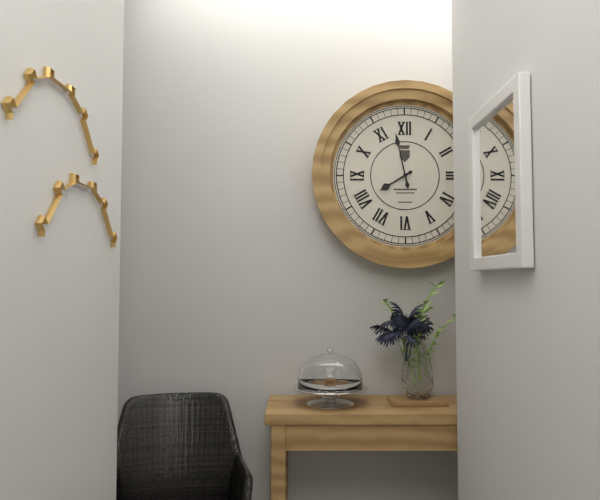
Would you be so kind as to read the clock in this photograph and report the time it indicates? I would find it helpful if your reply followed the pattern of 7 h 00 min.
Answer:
7 h 58 min
